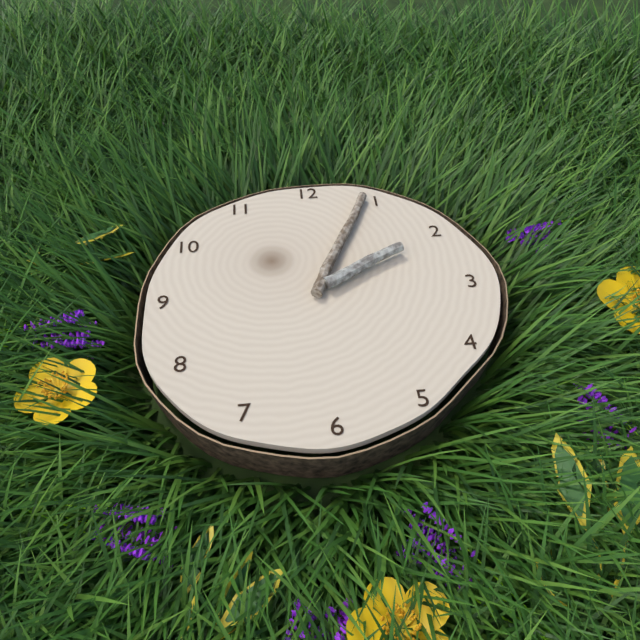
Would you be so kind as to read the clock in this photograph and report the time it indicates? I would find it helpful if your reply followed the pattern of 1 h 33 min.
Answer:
2 h 04 min
